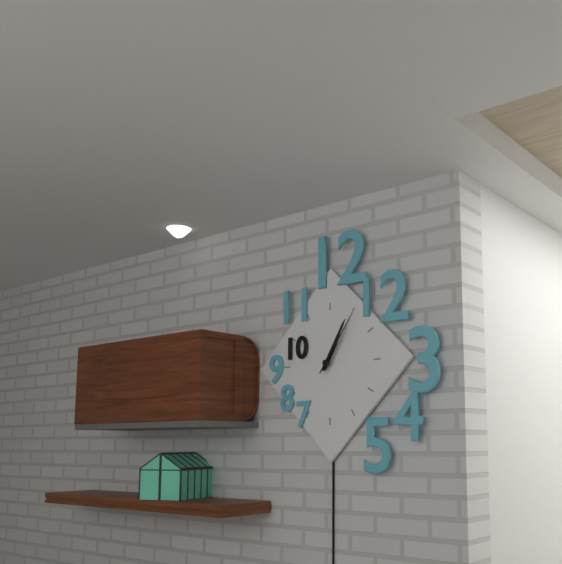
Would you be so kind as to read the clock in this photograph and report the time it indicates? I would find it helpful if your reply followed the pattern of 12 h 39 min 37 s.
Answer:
1 h 05 min 06 s
